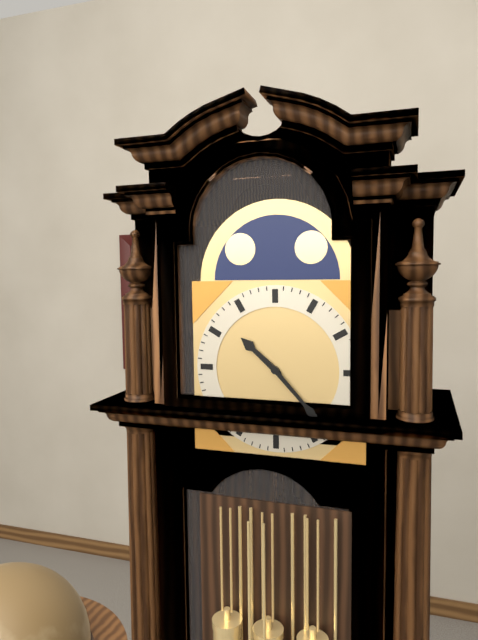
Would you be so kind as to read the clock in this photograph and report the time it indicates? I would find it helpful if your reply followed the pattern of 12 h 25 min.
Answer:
10 h 23 min
